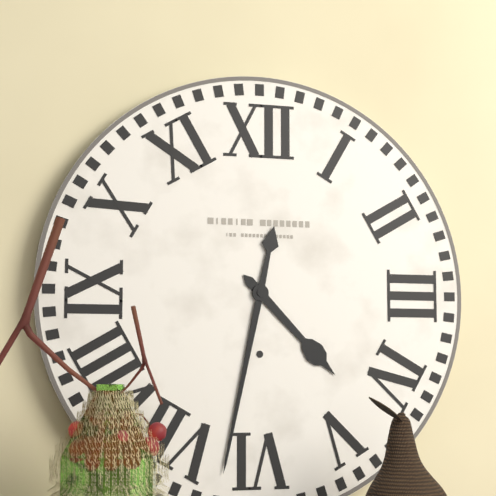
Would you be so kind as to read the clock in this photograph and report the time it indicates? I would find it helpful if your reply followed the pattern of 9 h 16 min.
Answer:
4 h 32 min
